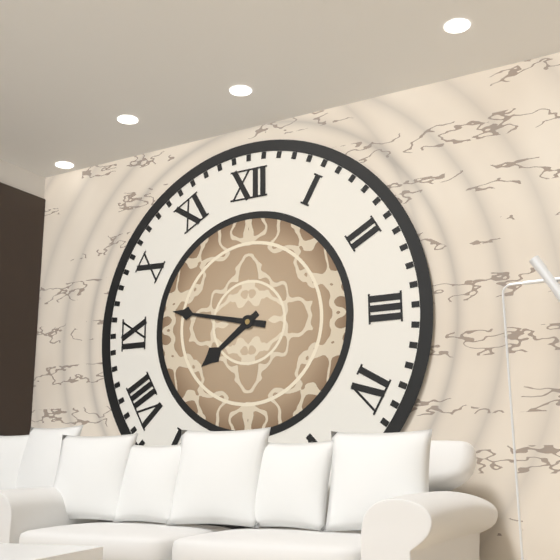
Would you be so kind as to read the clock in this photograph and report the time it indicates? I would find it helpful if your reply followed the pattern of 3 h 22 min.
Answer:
7 h 47 min
